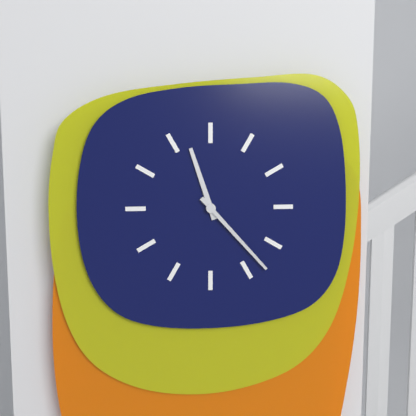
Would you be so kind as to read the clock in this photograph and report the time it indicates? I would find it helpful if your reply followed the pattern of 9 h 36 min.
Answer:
11 h 23 min
